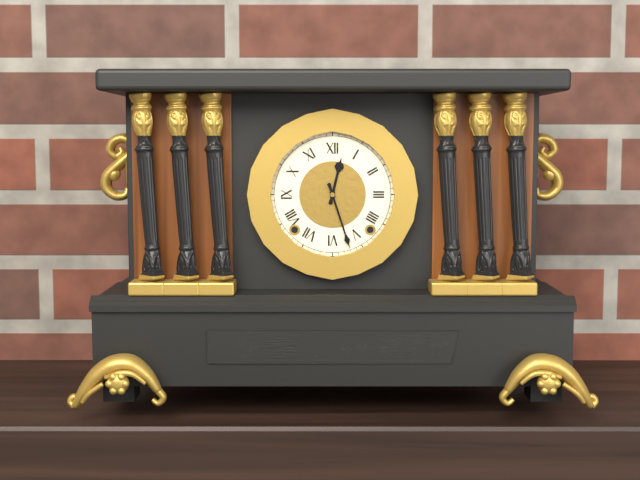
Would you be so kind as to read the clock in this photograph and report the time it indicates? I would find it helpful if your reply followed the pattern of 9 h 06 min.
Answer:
12 h 27 min
